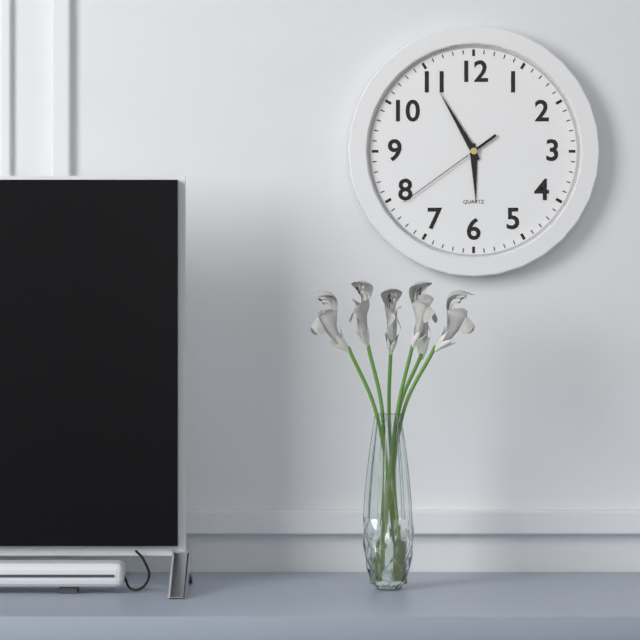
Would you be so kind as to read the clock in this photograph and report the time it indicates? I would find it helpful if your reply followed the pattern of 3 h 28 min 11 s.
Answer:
5 h 55 min 39 s
